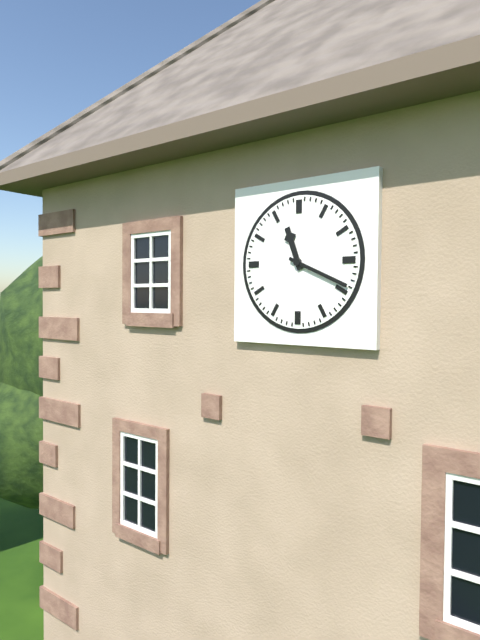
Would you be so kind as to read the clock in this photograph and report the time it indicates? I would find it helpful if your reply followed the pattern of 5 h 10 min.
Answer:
11 h 19 min
